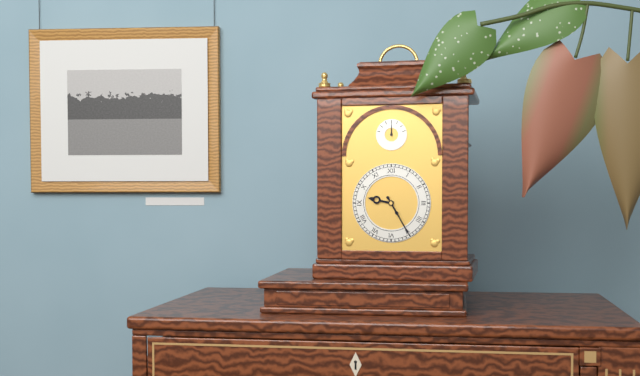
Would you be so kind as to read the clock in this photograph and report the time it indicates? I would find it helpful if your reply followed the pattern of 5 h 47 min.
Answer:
9 h 25 min
